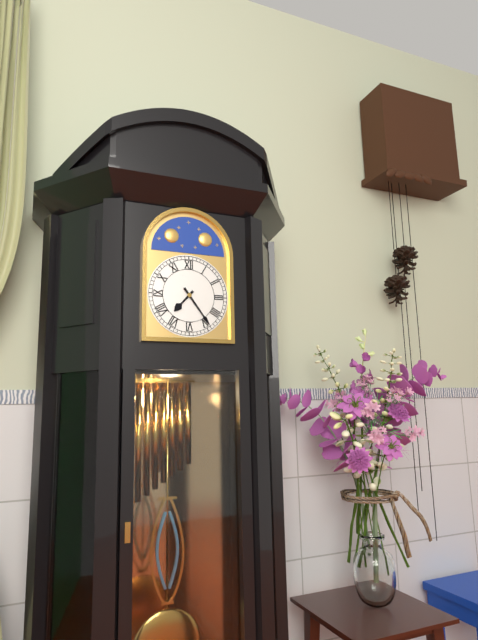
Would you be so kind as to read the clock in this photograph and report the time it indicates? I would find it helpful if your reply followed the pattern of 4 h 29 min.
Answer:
7 h 24 min
